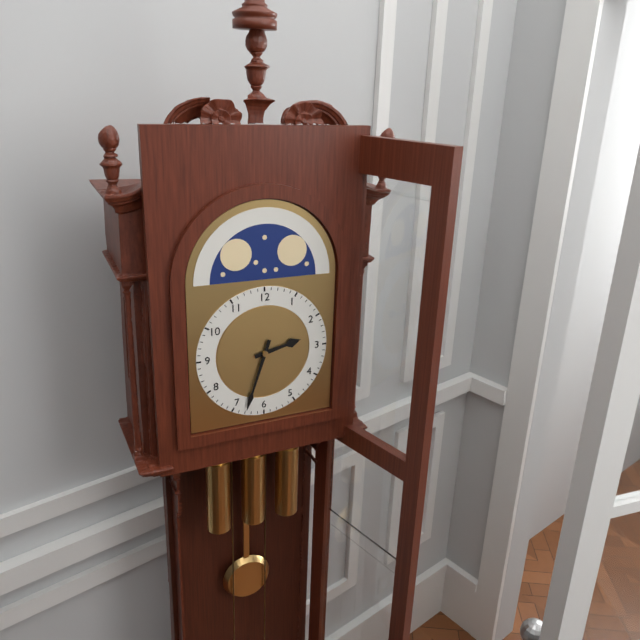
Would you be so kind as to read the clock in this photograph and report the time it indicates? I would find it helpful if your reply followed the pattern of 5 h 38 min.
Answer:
2 h 33 min
